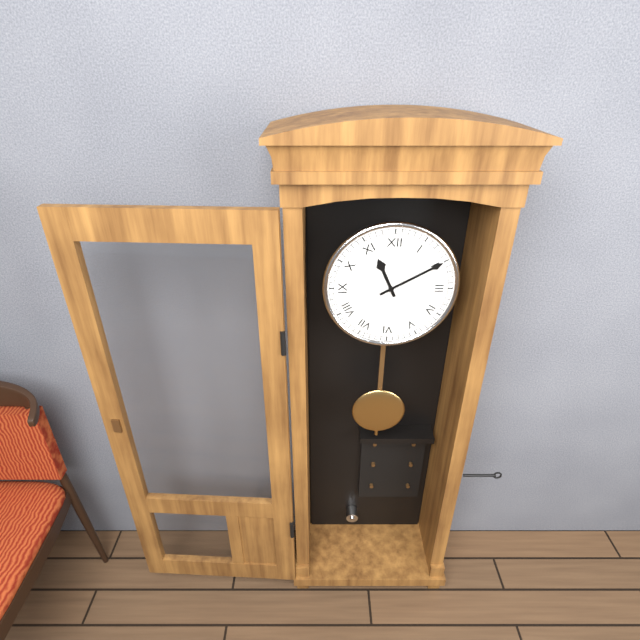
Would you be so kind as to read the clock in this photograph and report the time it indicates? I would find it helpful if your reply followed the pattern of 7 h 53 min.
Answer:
11 h 10 min
